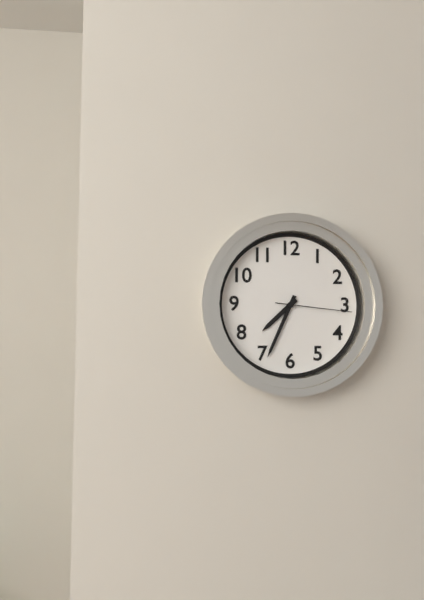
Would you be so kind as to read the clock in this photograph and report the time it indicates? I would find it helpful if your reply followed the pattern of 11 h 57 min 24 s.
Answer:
7 h 34 min 16 s
